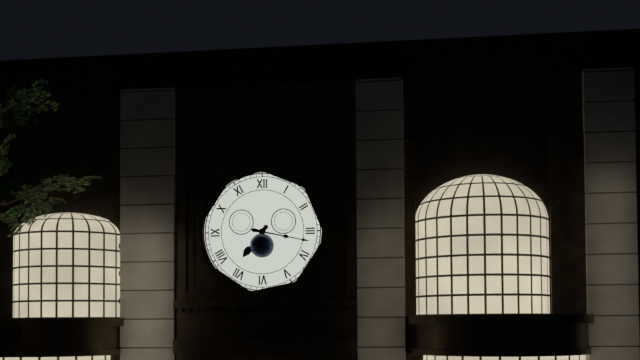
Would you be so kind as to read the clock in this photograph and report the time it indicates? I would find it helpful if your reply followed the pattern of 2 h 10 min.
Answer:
7 h 17 min
